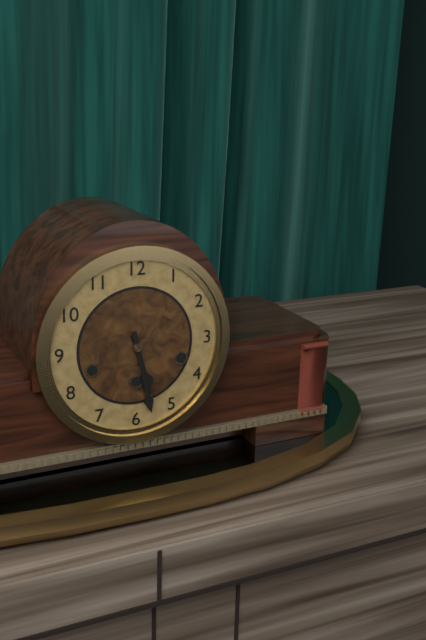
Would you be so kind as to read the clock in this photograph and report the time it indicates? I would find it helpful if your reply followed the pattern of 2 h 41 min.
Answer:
5 h 28 min
